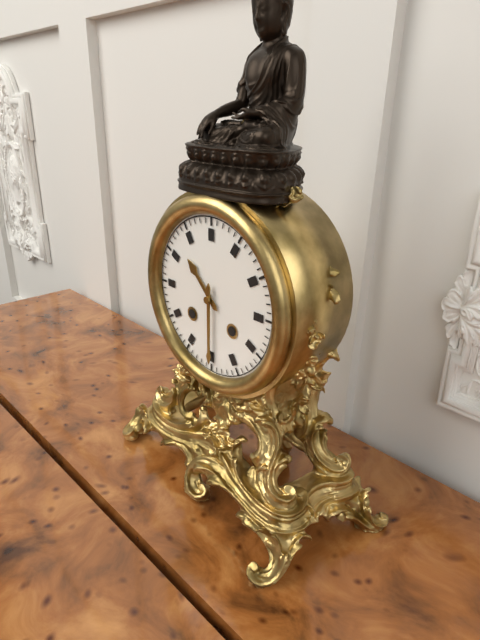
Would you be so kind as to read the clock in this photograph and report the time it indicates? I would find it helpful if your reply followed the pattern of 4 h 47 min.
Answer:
10 h 30 min
